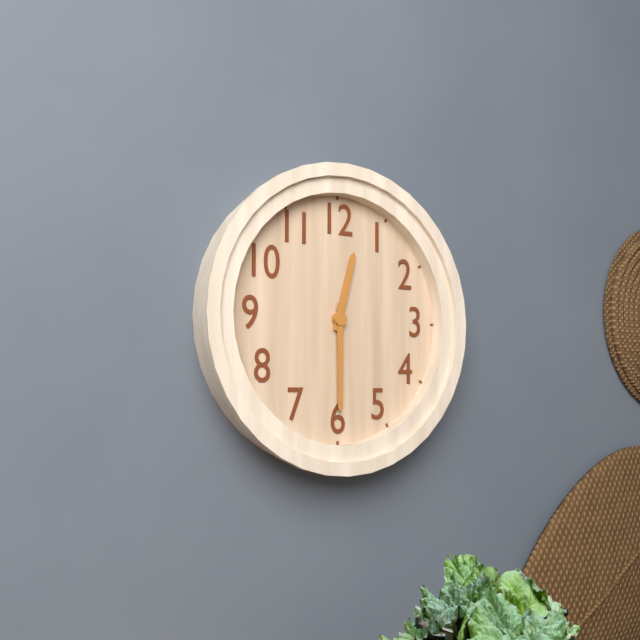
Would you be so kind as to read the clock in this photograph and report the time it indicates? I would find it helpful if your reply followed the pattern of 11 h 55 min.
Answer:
12 h 30 min
